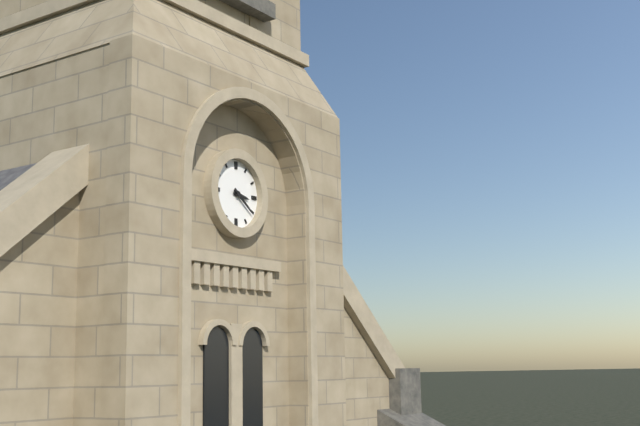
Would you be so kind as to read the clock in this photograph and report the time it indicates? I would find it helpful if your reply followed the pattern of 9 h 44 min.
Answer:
3 h 21 min
